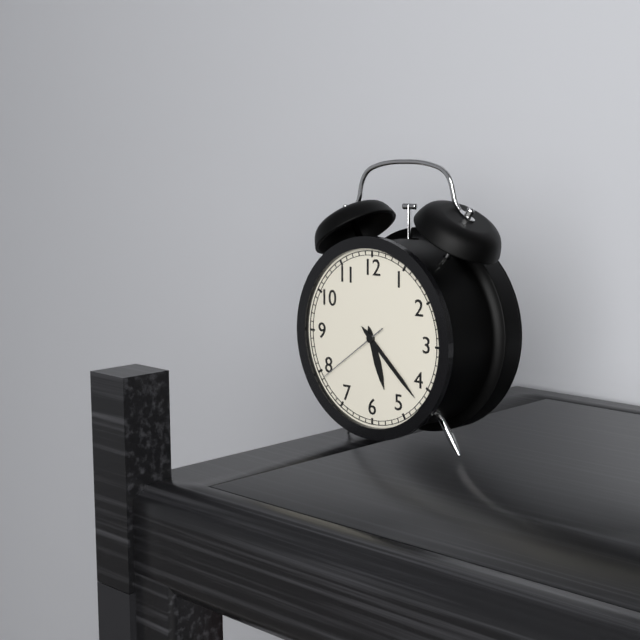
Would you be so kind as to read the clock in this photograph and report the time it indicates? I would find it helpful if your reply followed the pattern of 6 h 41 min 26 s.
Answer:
5 h 22 min 39 s
